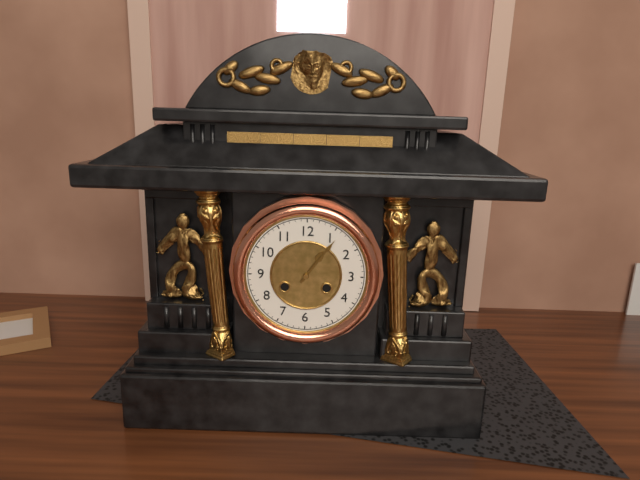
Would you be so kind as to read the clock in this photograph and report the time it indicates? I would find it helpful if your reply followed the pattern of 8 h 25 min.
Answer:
1 h 06 min
